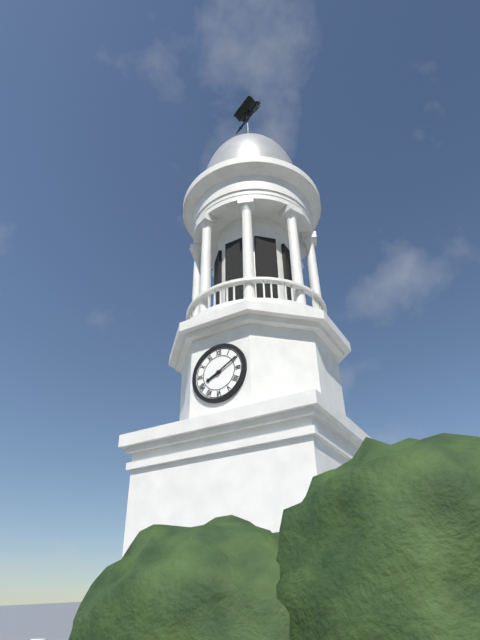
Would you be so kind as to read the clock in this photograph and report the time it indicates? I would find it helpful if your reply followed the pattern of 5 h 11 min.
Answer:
8 h 10 min
